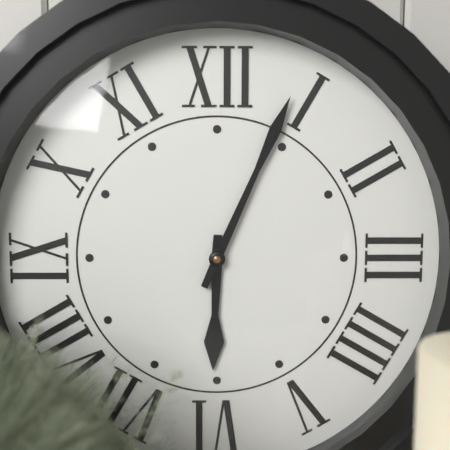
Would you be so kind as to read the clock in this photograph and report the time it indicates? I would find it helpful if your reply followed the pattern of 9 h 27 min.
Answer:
6 h 04 min
